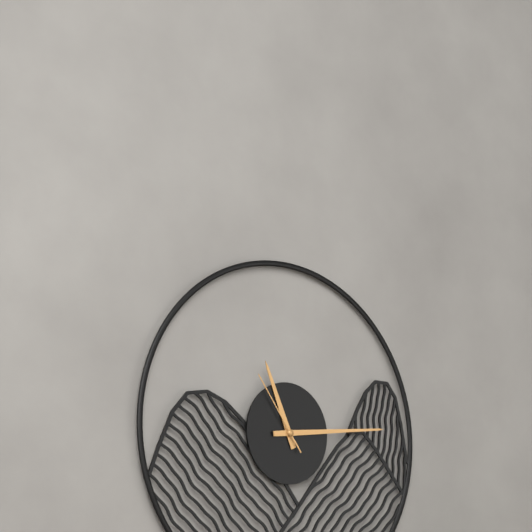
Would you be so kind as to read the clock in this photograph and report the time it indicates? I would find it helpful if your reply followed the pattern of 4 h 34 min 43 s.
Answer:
11 h 14 min 54 s
